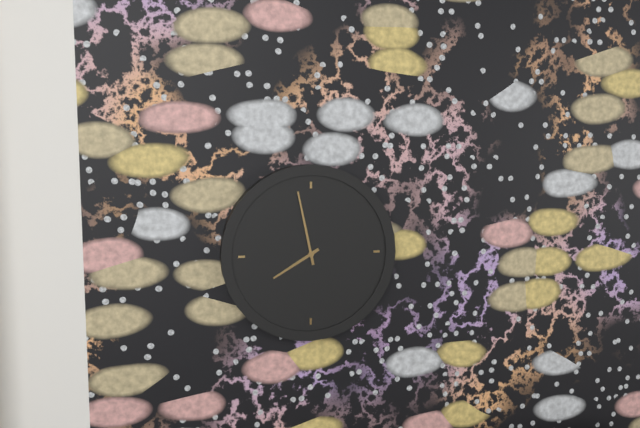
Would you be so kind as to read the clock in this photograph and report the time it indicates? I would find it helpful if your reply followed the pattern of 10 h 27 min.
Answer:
7 h 58 min
